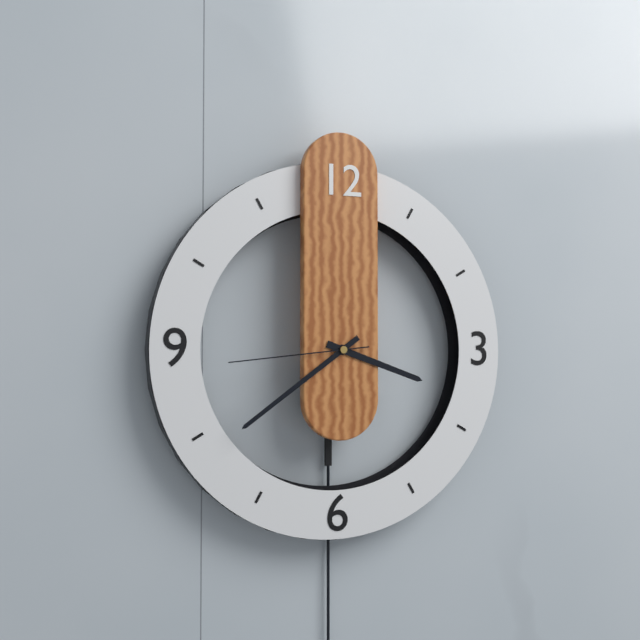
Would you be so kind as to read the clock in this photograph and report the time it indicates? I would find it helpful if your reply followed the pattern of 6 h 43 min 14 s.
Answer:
3 h 39 min 44 s
